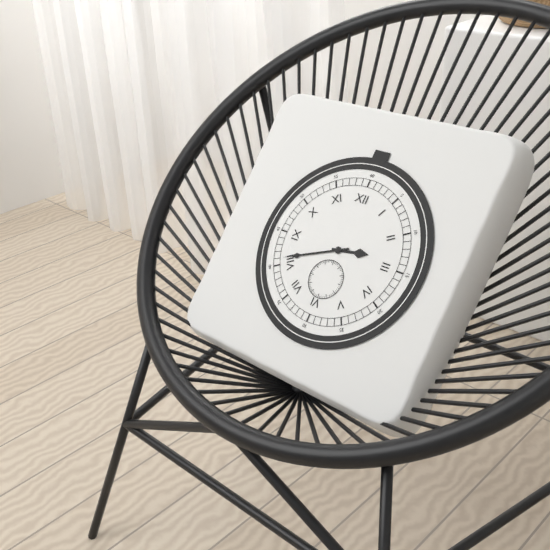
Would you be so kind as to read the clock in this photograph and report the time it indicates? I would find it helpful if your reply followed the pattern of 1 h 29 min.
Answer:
2 h 41 min
